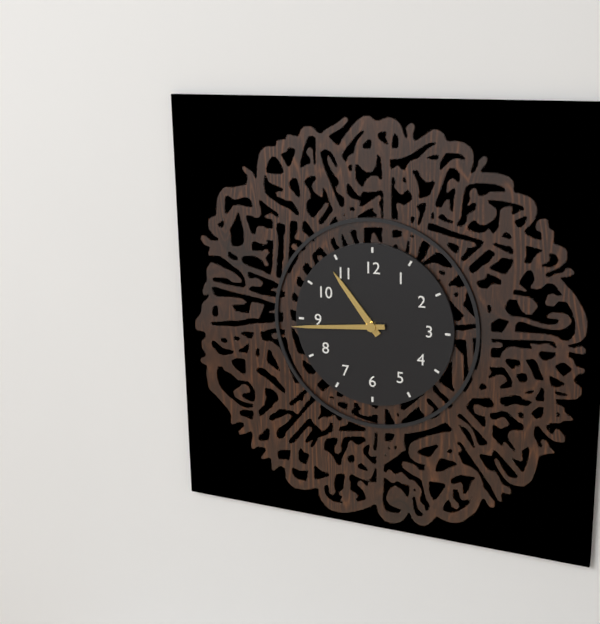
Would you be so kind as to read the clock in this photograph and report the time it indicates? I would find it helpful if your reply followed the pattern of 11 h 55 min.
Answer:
10 h 44 min
